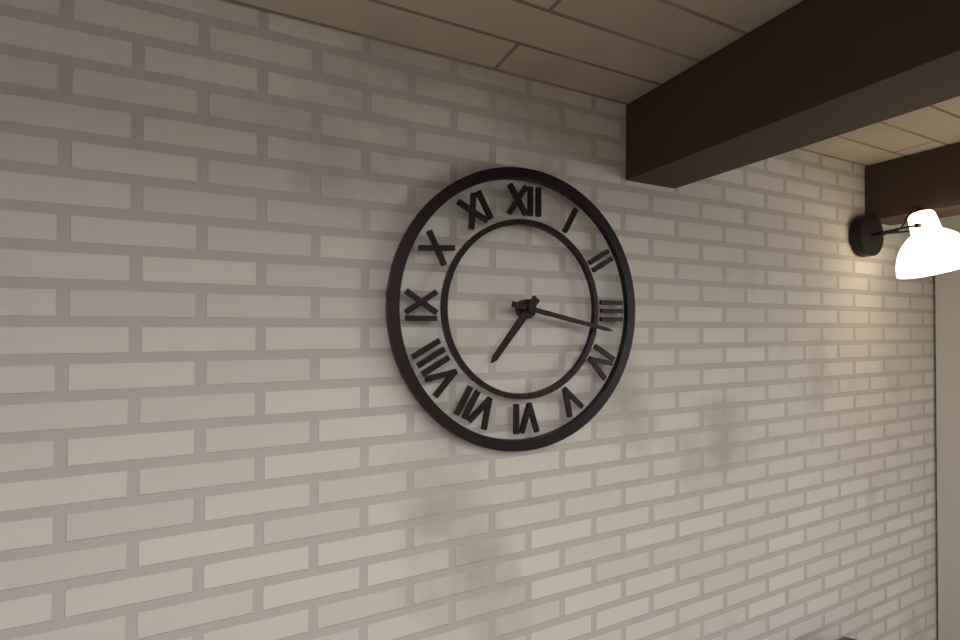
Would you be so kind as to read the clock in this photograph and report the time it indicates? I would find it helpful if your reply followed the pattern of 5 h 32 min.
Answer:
7 h 17 min
